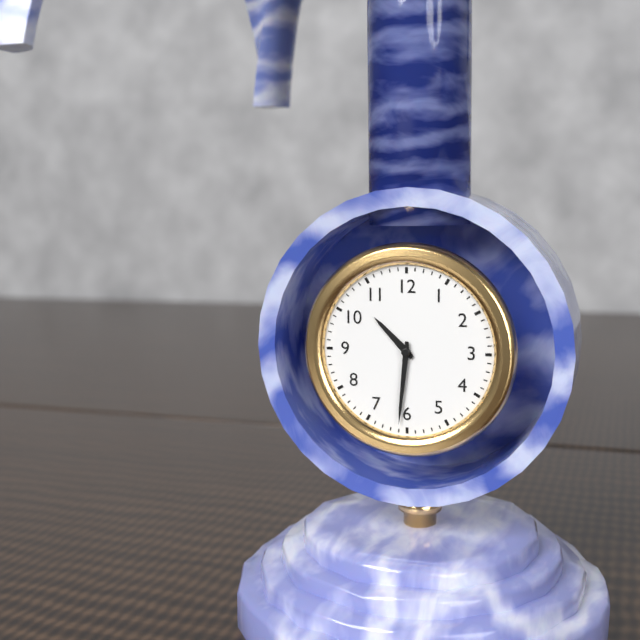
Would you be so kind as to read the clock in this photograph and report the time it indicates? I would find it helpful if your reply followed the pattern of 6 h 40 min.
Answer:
10 h 31 min
